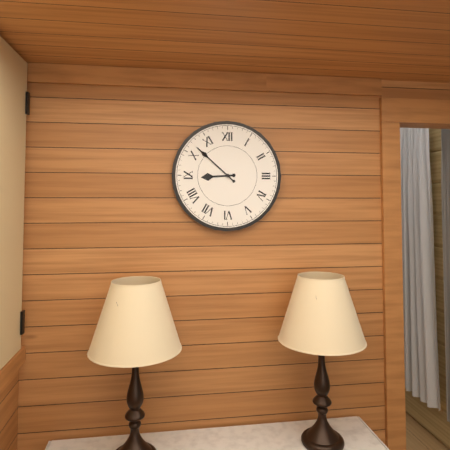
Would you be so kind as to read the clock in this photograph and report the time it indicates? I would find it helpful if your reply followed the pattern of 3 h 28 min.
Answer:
8 h 52 min
